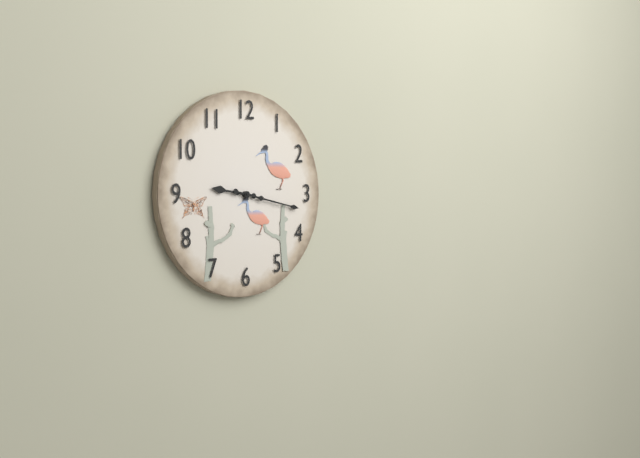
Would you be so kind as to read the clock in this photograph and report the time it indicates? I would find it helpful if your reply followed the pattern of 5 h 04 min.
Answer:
9 h 17 min
